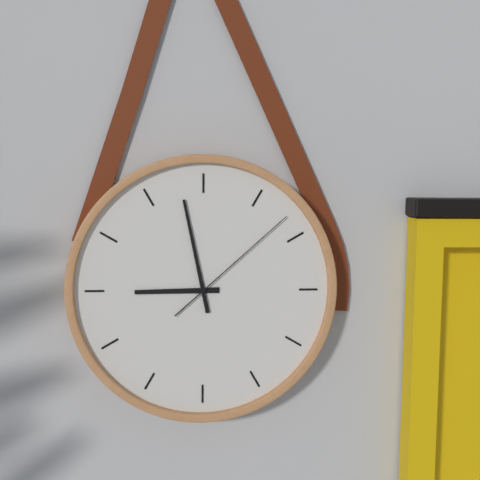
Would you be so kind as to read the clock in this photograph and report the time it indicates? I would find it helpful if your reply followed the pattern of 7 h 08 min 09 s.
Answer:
8 h 58 min 08 s
